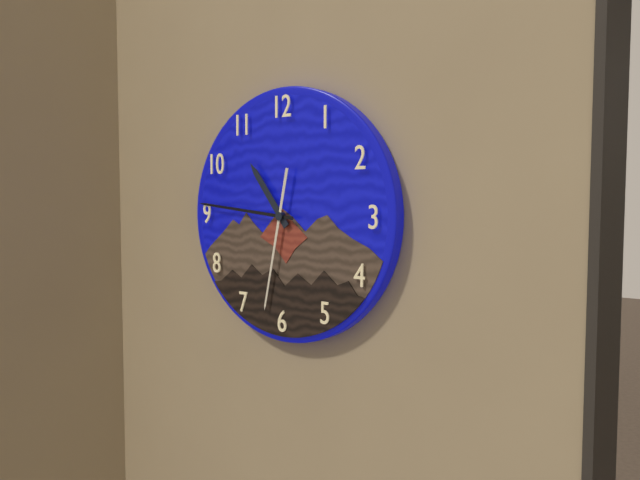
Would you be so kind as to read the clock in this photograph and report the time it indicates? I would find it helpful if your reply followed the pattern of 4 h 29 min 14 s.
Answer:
10 h 46 min 32 s
